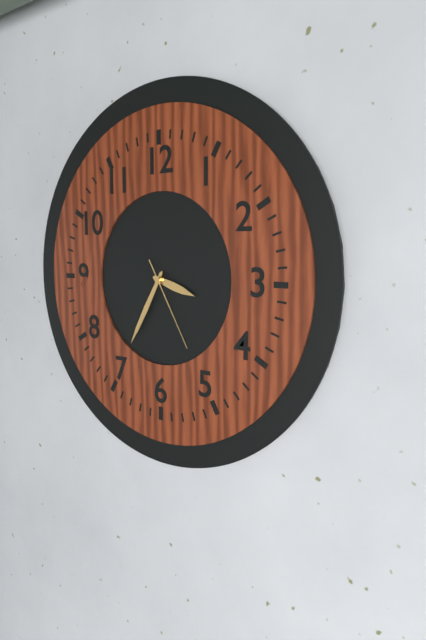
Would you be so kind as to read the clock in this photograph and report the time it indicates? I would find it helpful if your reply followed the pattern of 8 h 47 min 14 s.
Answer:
3 h 35 min 25 s
